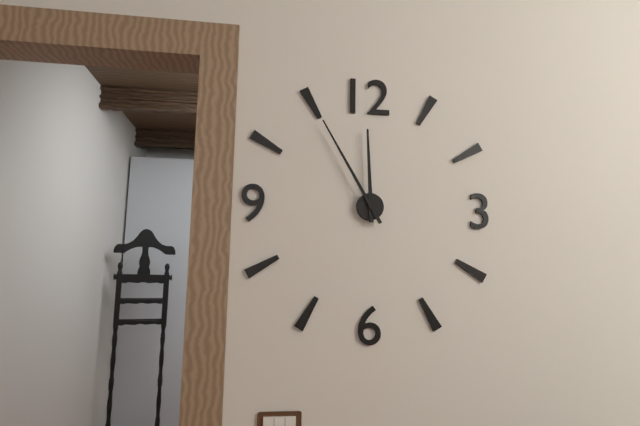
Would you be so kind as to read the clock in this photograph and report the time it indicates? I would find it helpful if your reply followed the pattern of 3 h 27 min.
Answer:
11 h 55 min
